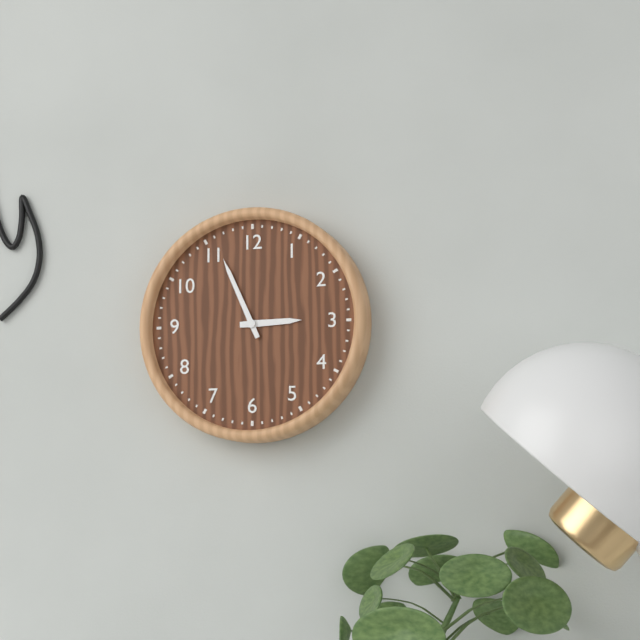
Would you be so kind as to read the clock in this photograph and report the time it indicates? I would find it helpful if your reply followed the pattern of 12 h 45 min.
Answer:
2 h 56 min
